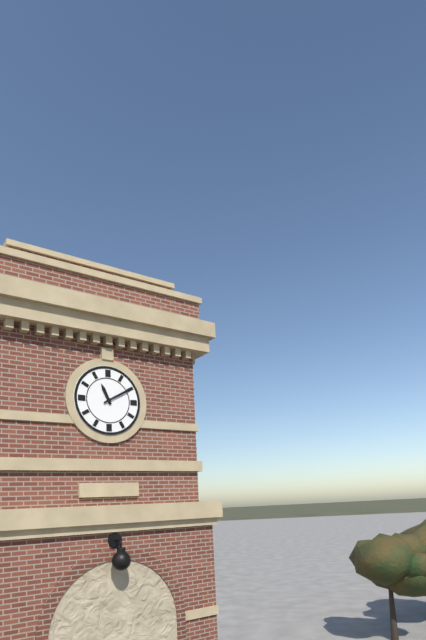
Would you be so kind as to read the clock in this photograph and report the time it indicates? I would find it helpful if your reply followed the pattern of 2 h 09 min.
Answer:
11 h 10 min
